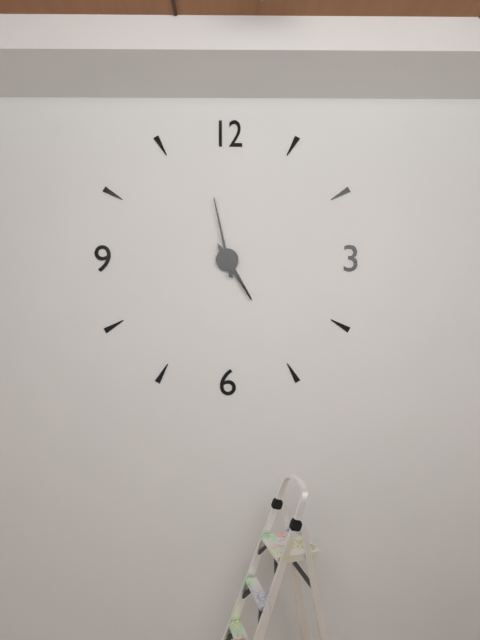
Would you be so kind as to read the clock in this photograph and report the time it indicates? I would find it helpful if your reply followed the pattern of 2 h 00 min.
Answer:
4 h 58 min
